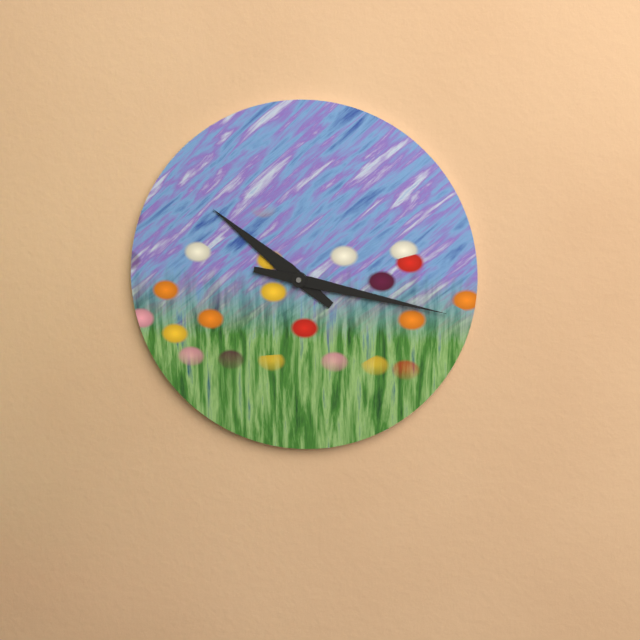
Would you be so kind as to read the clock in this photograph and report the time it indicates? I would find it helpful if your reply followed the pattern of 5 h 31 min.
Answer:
10 h 17 min
